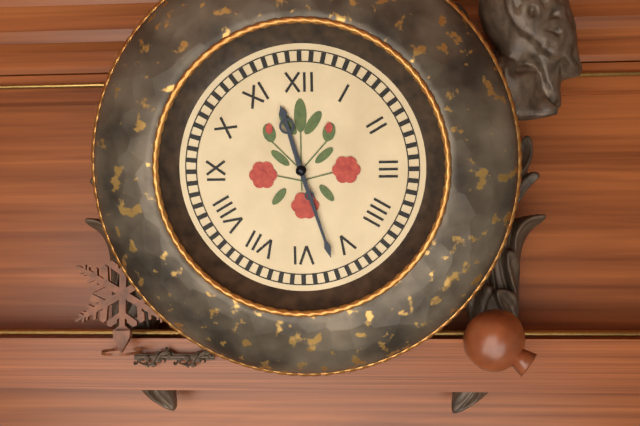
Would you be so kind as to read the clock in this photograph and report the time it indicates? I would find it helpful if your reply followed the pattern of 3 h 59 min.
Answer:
11 h 27 min
